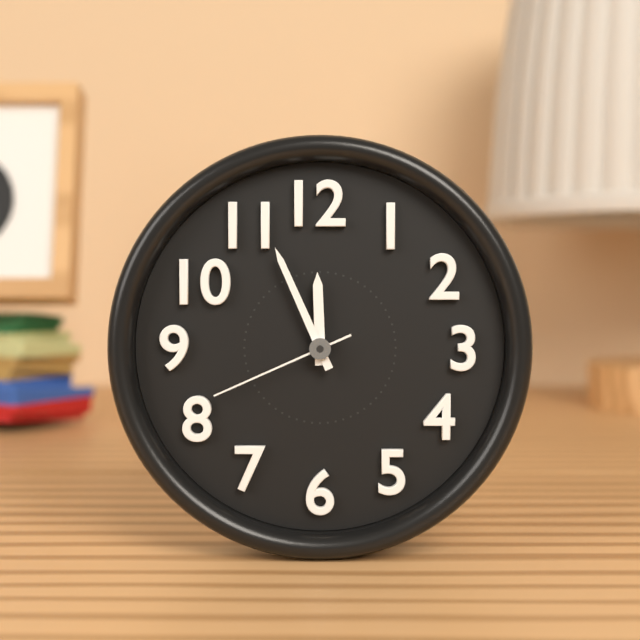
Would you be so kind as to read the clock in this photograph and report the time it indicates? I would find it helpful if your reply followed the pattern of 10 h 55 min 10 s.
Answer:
11 h 56 min 41 s
